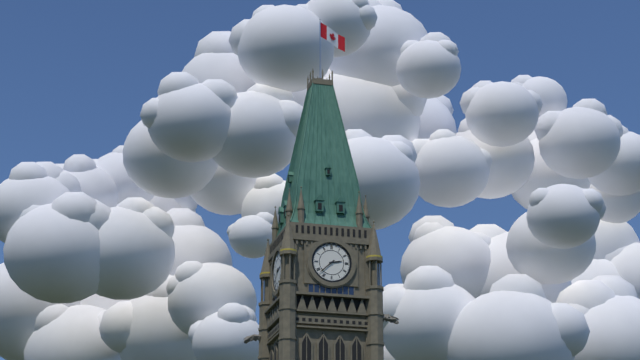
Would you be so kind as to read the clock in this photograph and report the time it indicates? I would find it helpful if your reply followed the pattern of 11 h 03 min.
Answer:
2 h 38 min
